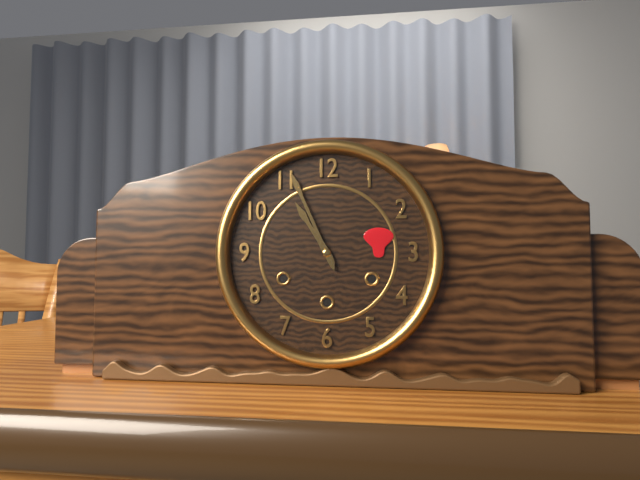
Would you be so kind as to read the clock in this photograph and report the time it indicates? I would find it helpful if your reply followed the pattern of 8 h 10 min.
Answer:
10 h 56 min
